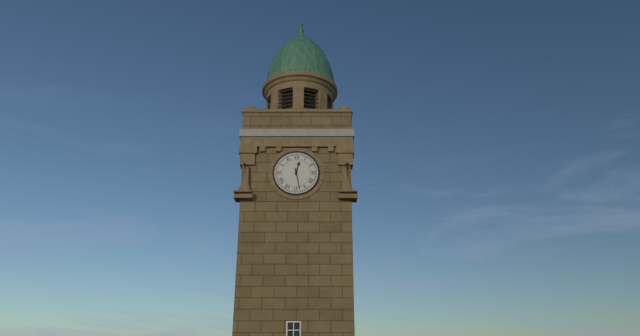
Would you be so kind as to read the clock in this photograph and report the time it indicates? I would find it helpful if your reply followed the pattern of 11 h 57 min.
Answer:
12 h 28 min
